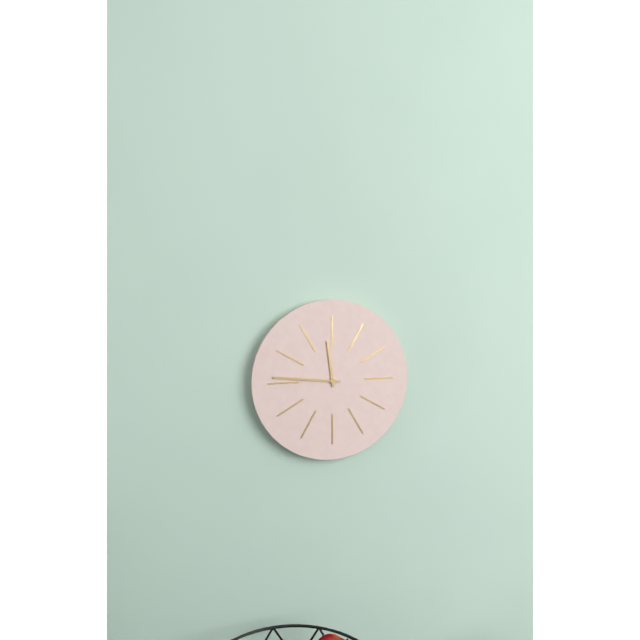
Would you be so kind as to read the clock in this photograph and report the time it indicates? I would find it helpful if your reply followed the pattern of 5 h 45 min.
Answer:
11 h 46 min
